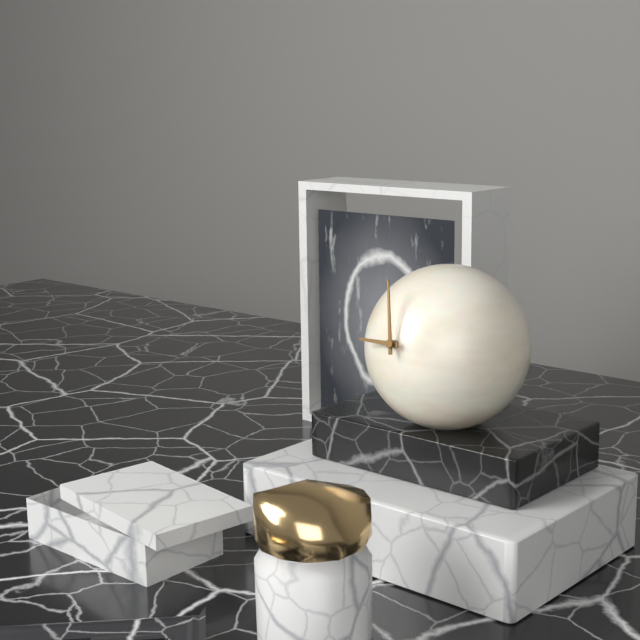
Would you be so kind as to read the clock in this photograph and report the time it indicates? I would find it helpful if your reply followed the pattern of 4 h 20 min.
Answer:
8 h 58 min
